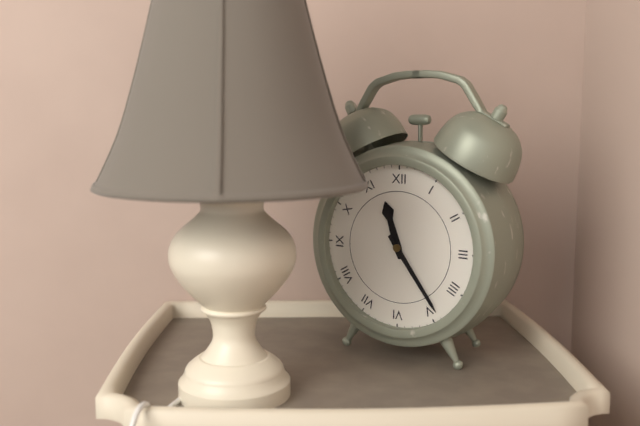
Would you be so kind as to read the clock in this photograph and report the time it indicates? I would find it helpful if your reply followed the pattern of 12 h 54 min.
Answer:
11 h 24 min
